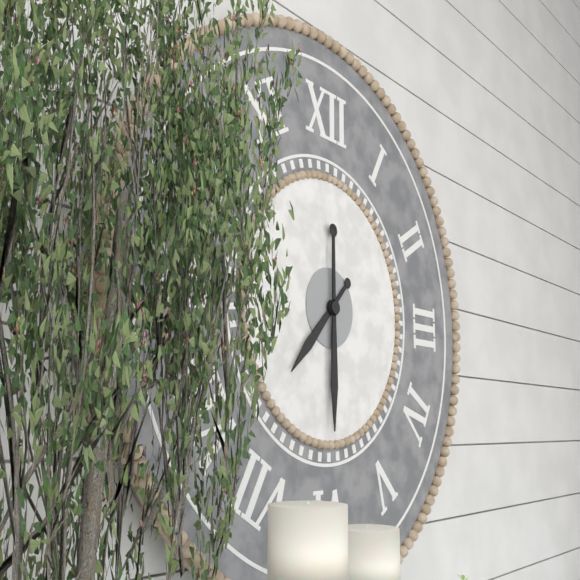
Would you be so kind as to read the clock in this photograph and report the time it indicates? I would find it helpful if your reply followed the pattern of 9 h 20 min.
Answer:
7 h 30 min
